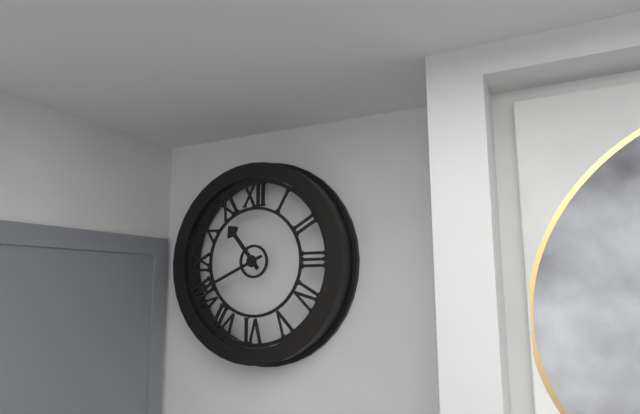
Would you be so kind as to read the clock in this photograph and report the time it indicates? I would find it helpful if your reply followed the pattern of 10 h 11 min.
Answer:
10 h 41 min
